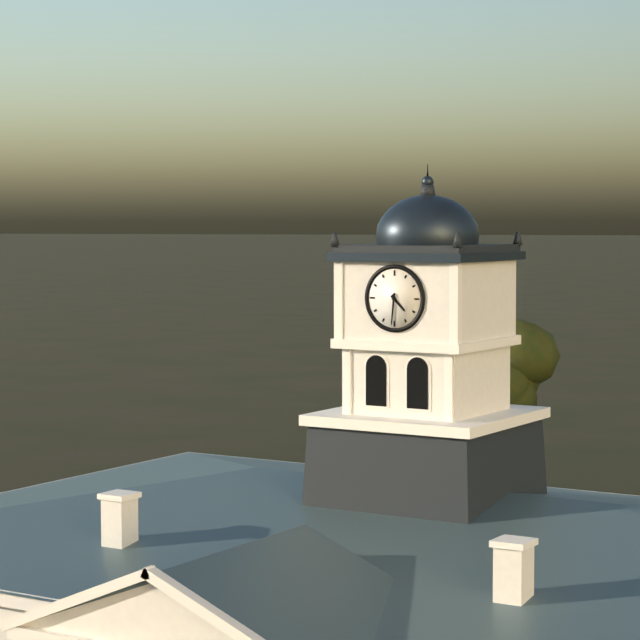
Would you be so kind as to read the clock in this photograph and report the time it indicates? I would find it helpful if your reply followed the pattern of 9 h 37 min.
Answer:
4 h 31 min
